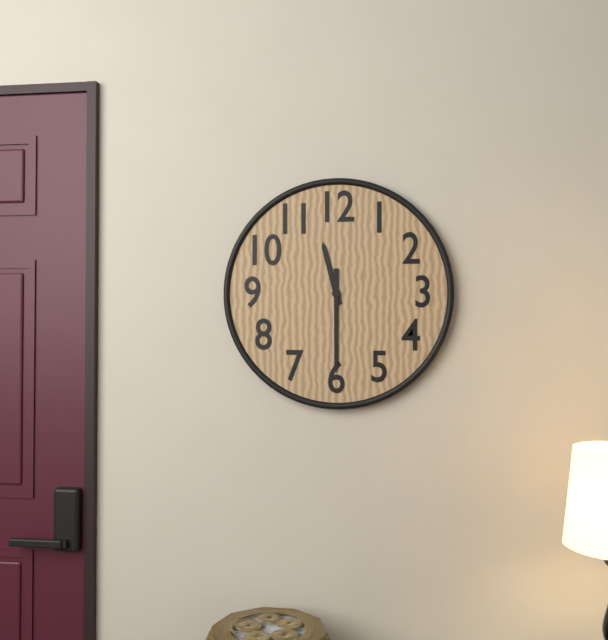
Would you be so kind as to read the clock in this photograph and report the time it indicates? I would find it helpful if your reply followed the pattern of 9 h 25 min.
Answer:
11 h 30 min
